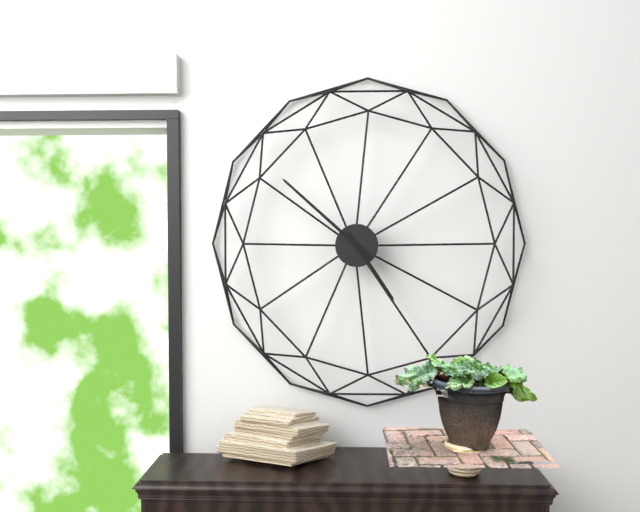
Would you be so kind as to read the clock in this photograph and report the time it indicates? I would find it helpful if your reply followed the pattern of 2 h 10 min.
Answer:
4 h 52 min
